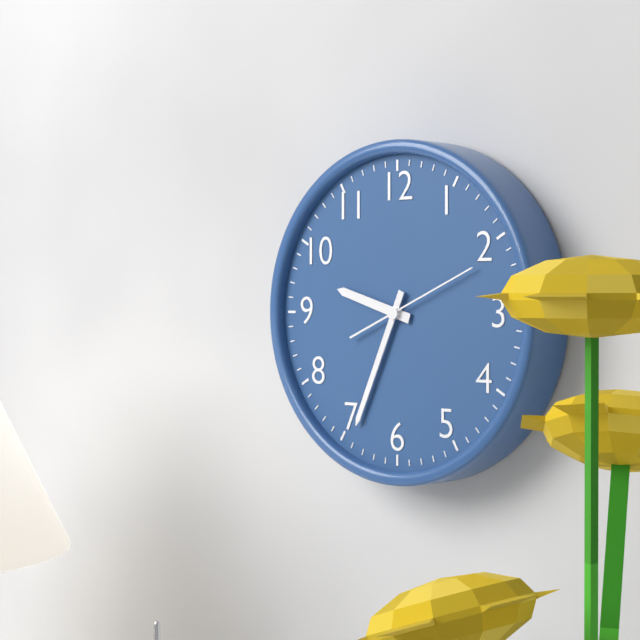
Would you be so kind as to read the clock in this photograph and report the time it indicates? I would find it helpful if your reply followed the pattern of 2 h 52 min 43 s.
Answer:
9 h 34 min 11 s
